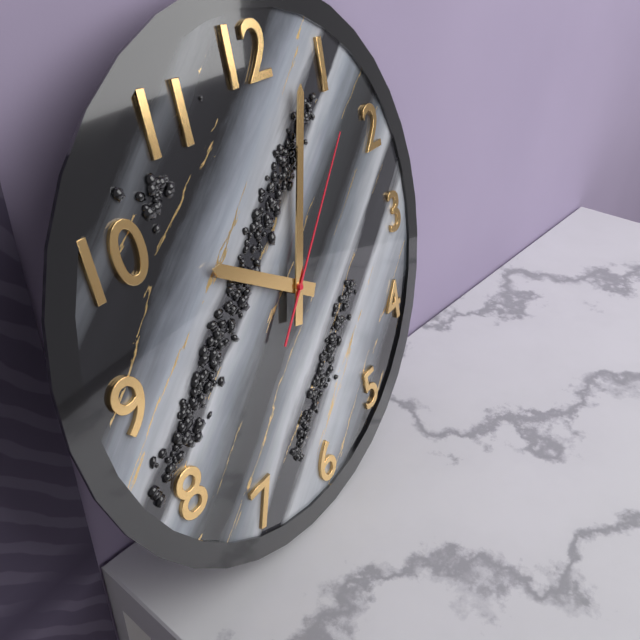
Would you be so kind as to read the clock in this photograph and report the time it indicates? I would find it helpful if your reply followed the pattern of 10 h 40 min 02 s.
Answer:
10 h 03 min 07 s
